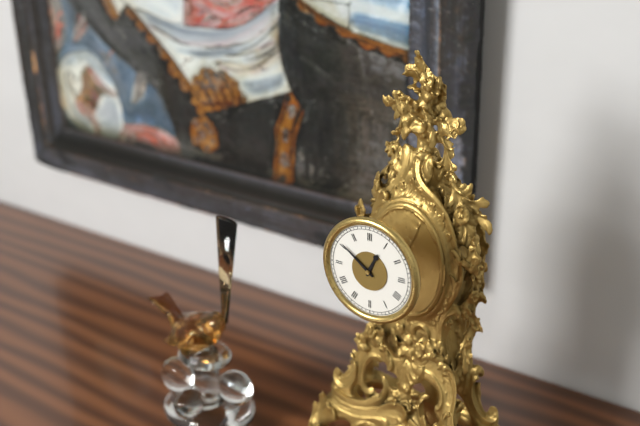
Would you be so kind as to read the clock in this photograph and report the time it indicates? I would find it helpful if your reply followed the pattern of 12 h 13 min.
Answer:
12 h 51 min
